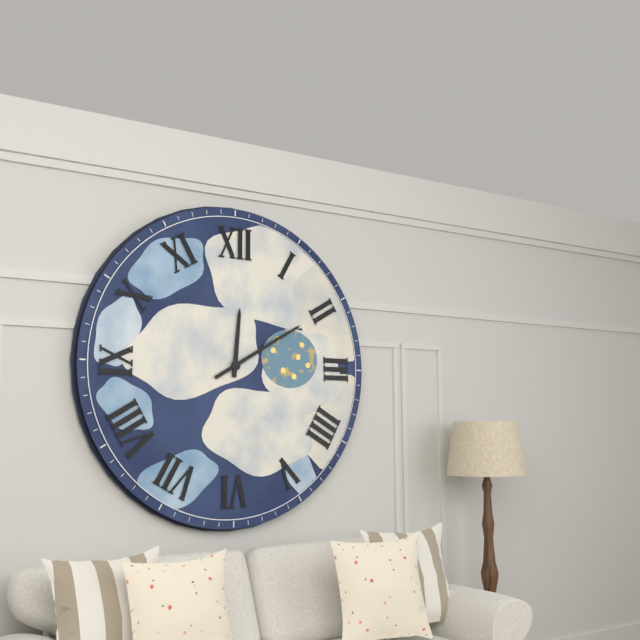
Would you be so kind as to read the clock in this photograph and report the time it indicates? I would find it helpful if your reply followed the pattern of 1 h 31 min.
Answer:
12 h 10 min
